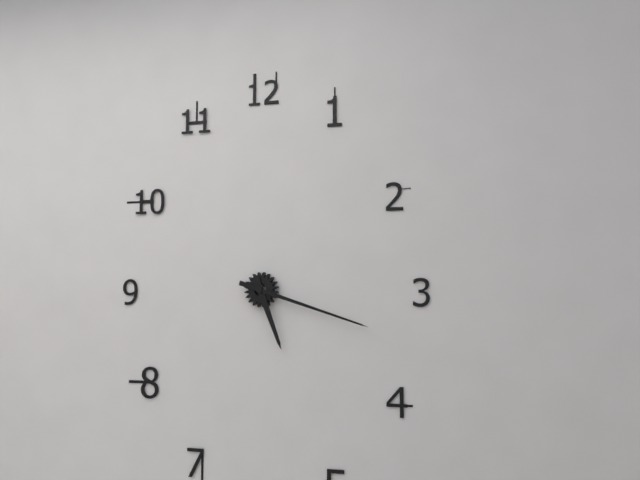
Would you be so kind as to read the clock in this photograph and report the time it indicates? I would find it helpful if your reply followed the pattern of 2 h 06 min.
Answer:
5 h 18 min
